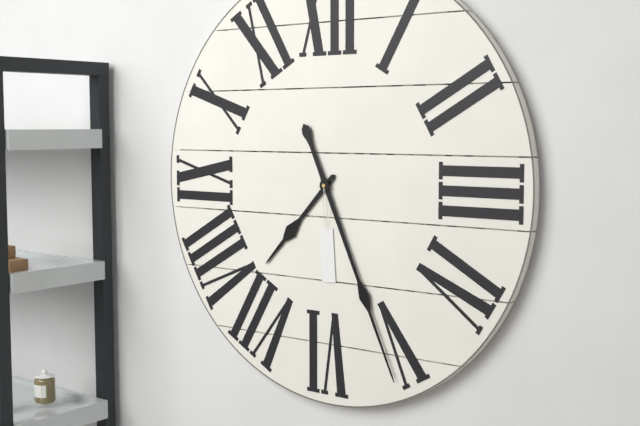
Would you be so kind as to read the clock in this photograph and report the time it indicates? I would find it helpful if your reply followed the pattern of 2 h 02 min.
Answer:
7 h 26 min
